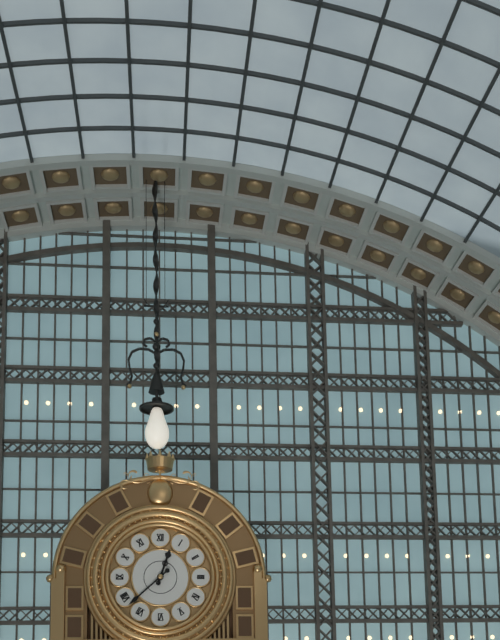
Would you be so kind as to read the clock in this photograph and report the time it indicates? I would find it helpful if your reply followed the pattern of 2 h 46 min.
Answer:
12 h 38 min
